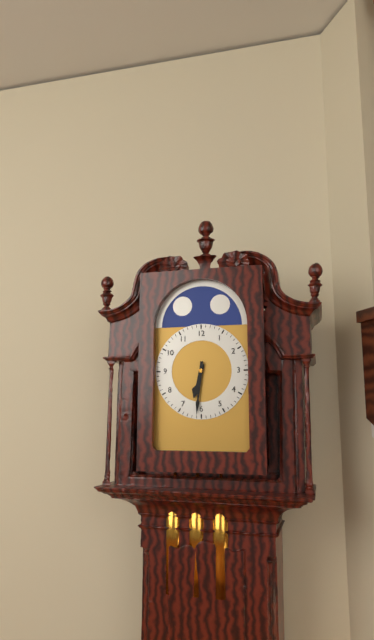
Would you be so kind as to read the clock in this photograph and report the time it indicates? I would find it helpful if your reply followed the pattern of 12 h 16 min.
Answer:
6 h 31 min
